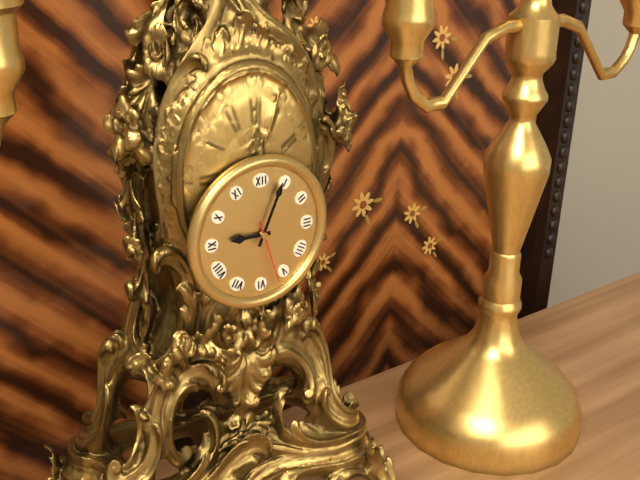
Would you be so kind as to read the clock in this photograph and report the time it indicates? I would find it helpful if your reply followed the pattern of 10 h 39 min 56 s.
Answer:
9 h 04 min 27 s
